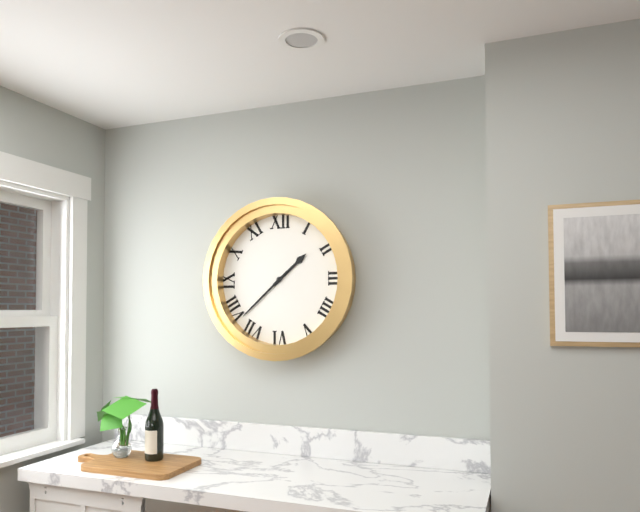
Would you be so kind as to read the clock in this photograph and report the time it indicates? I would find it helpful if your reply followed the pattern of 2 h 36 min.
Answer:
1 h 38 min
